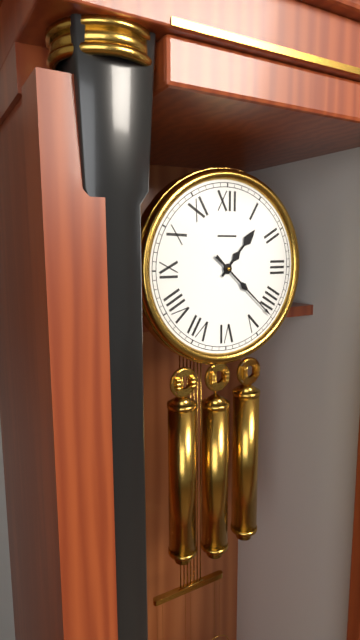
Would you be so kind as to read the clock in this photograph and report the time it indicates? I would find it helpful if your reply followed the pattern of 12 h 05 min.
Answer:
1 h 22 min
